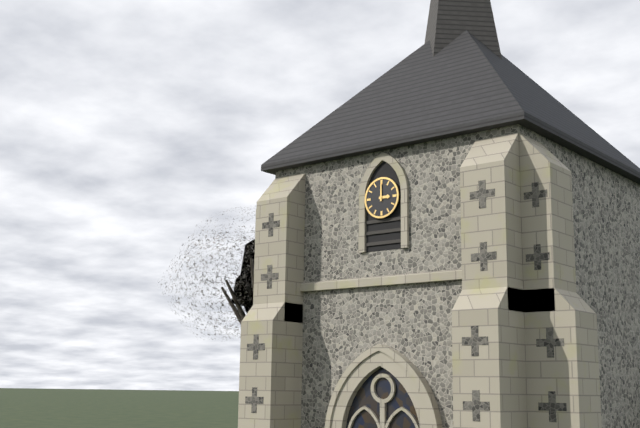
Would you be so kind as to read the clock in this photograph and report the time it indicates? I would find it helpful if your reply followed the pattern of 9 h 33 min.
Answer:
3 h 00 min
